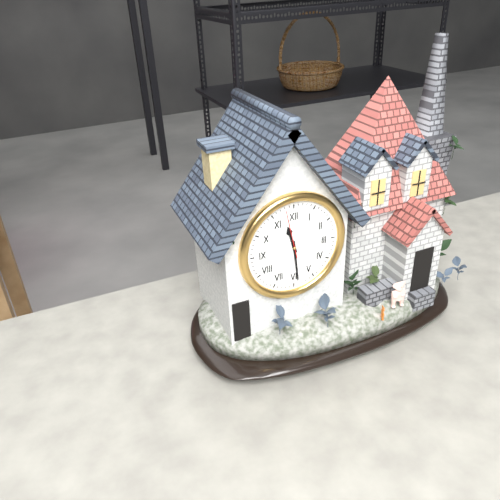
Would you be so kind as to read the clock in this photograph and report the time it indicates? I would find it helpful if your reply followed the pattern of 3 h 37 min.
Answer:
11 h 29 min
